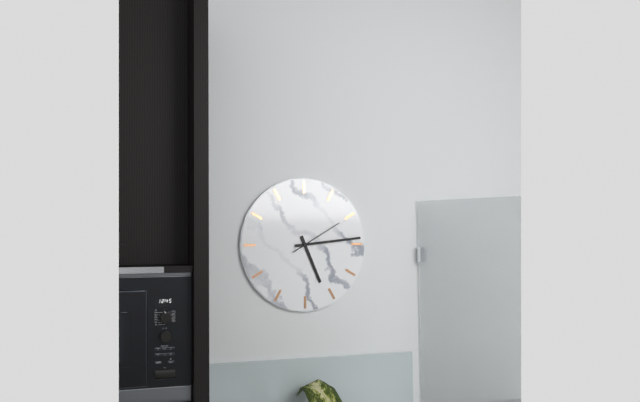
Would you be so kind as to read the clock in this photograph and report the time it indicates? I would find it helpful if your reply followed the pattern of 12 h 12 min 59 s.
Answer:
5 h 14 min 10 s
